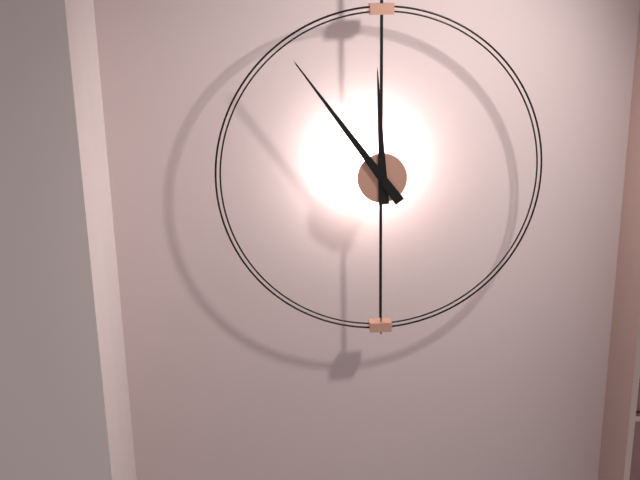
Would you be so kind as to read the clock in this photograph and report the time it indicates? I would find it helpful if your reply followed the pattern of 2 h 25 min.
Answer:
11 h 54 min
